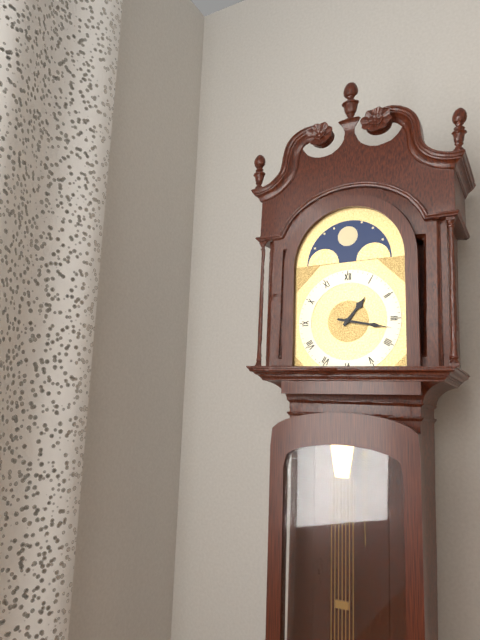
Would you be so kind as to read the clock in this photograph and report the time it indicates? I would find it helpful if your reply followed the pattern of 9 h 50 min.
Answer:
1 h 17 min
